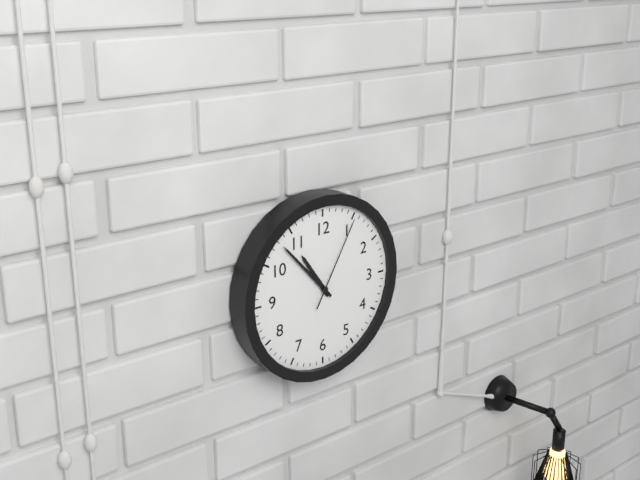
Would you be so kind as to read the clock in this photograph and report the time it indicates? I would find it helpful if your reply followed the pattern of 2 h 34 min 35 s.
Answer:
10 h 53 min 05 s
